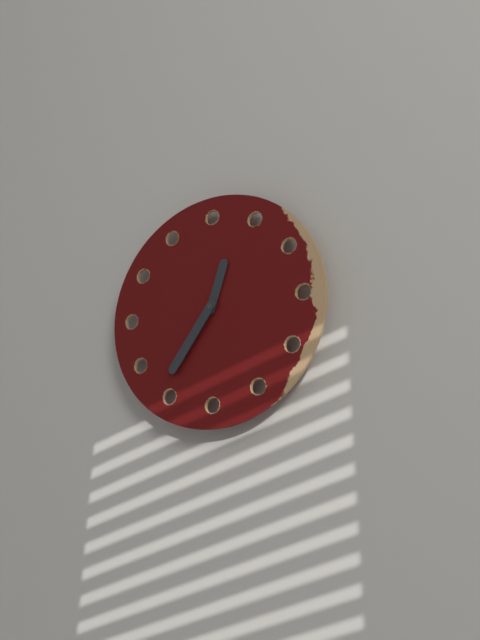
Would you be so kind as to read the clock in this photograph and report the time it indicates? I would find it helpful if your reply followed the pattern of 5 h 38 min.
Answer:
12 h 36 min
